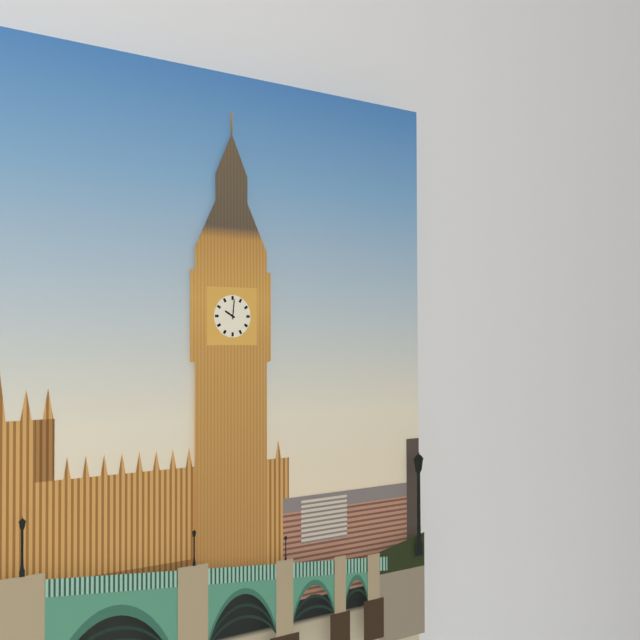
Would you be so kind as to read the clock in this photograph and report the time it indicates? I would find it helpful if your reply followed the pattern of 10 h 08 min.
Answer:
10 h 01 min
